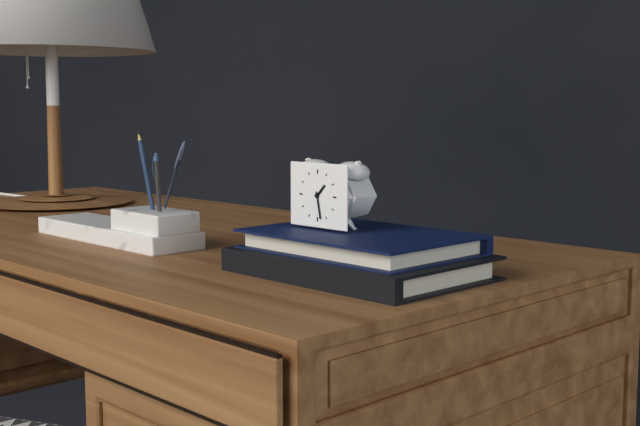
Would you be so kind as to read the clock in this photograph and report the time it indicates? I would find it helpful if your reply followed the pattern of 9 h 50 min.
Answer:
1 h 28 min
